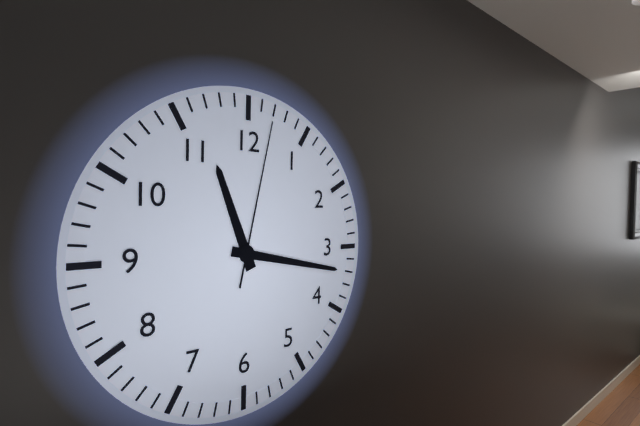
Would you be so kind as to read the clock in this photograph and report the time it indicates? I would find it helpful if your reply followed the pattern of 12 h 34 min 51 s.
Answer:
11 h 17 min 02 s
